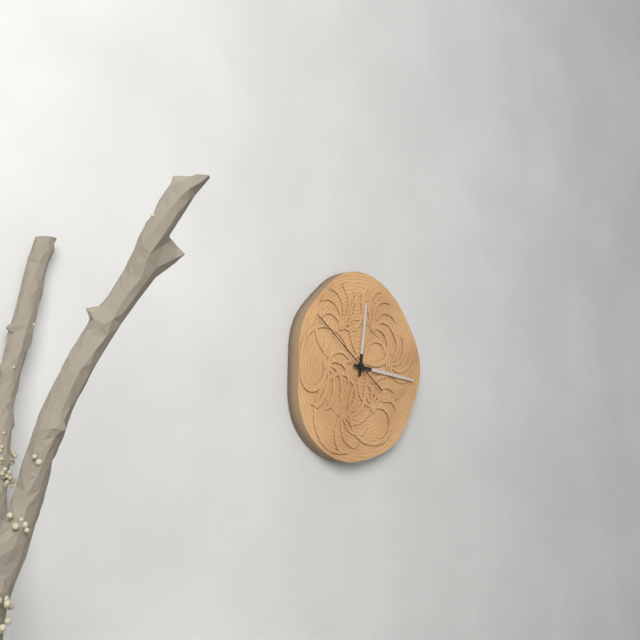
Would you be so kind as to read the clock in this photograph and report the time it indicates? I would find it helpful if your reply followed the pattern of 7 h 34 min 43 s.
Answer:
12 h 16 min 51 s
